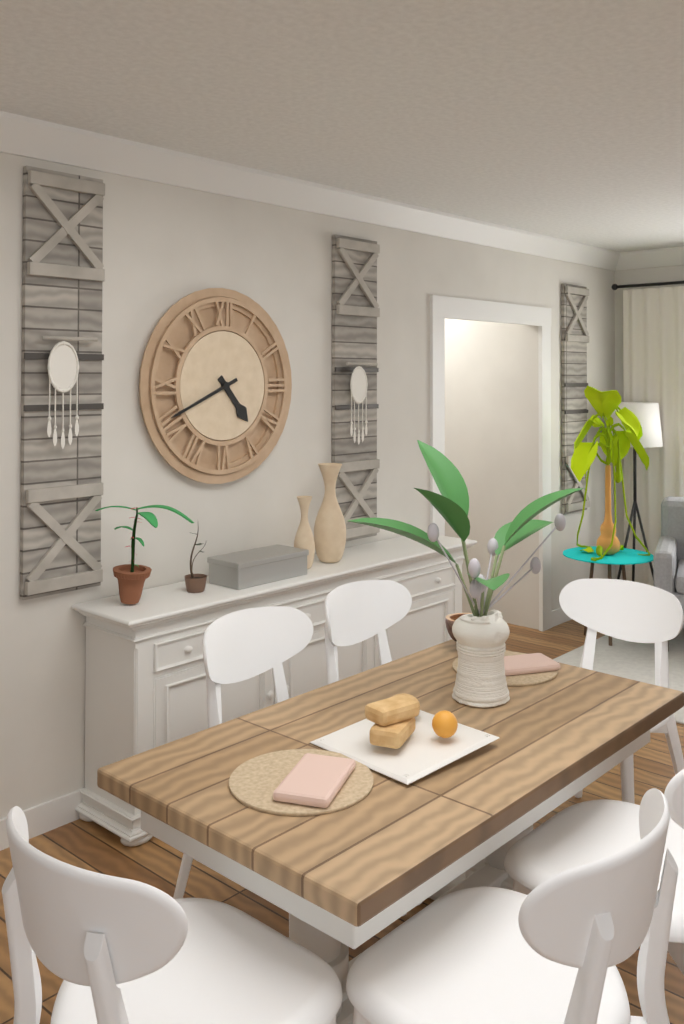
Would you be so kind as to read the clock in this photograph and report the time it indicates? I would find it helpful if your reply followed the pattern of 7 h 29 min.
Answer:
4 h 41 min
